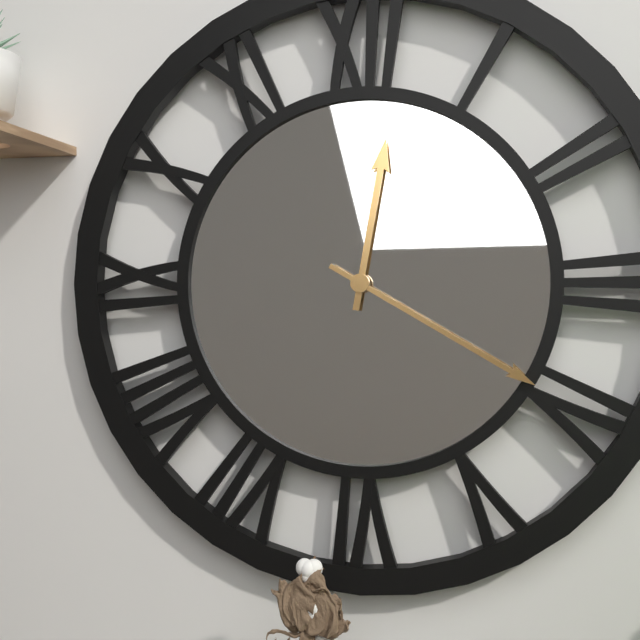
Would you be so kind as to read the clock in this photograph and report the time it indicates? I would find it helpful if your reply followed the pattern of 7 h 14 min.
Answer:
12 h 20 min
